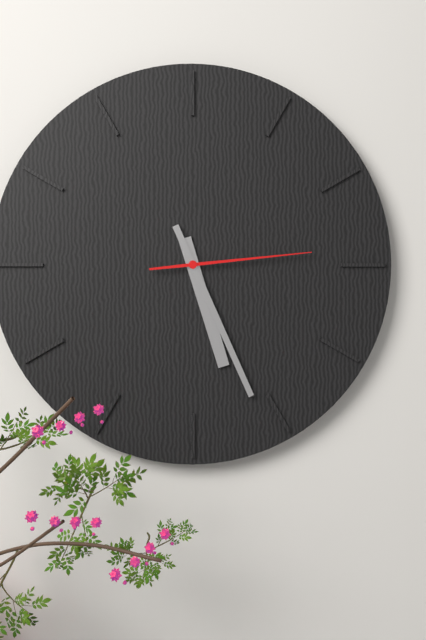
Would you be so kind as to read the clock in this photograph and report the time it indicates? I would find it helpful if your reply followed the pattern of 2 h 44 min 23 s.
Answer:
5 h 26 min 14 s
